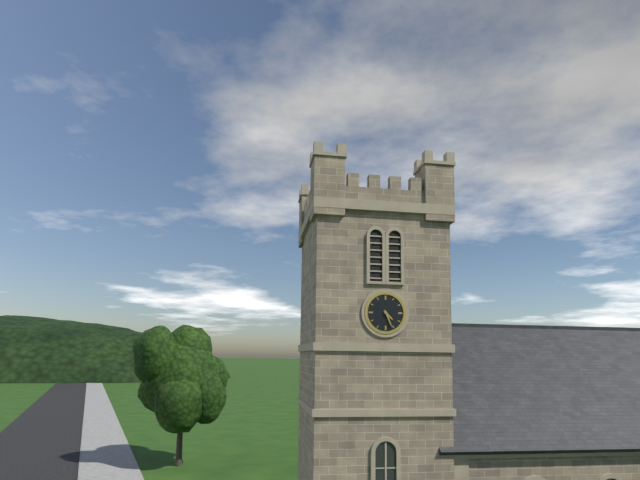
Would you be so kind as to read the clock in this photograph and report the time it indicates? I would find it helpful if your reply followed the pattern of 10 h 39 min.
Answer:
4 h 26 min
